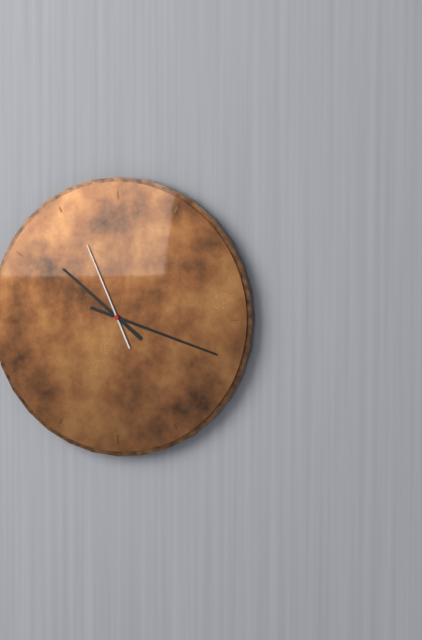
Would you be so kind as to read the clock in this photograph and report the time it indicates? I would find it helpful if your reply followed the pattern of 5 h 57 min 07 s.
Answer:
10 h 18 min 56 s
